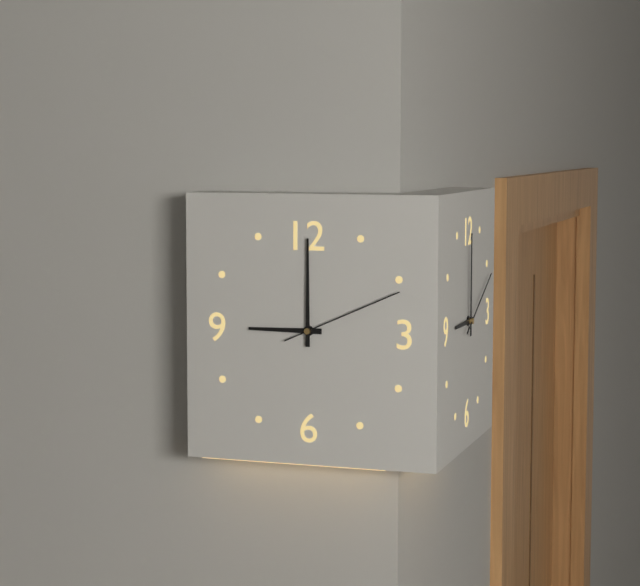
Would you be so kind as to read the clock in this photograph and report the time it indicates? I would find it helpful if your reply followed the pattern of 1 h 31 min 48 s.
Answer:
9 h 00 min 11 s
